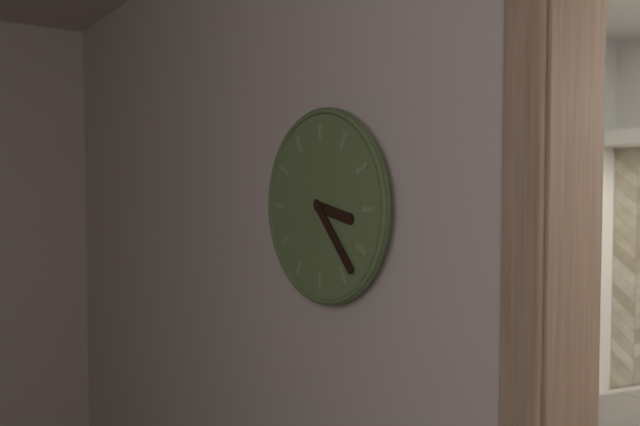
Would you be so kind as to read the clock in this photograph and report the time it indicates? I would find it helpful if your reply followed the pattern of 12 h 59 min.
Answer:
3 h 23 min
